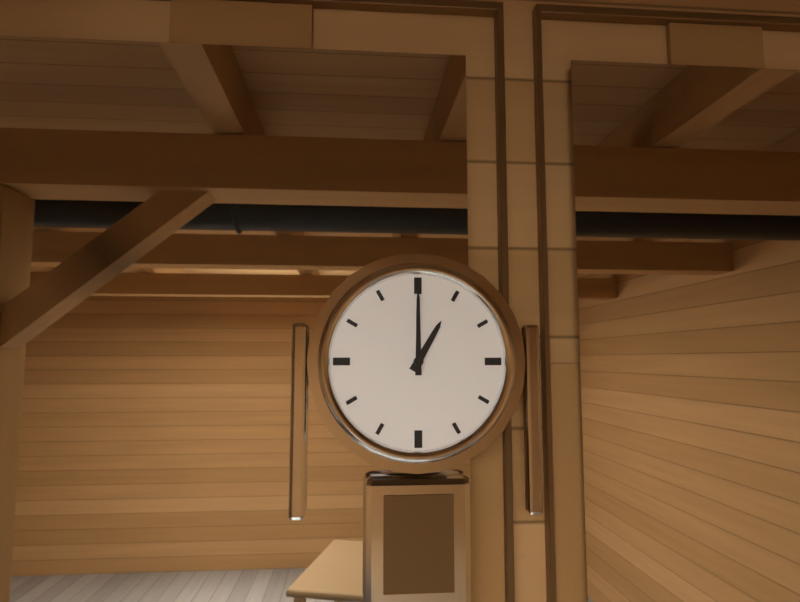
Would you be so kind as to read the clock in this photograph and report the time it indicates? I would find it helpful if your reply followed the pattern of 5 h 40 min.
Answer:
1 h 00 min
